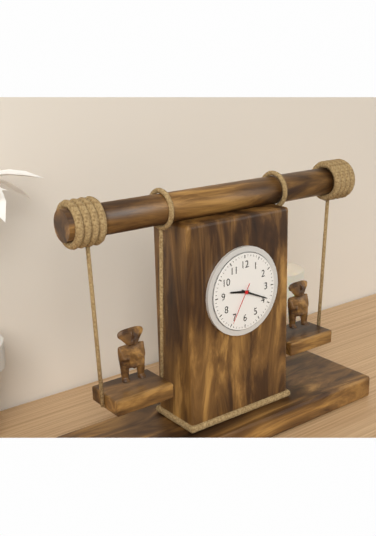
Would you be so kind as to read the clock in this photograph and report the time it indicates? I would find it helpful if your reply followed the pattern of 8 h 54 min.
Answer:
9 h 19 min
